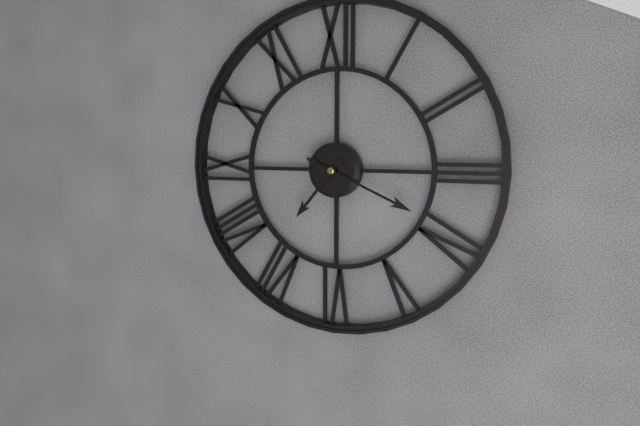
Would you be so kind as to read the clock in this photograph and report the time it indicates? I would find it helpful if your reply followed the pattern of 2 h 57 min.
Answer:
7 h 19 min
